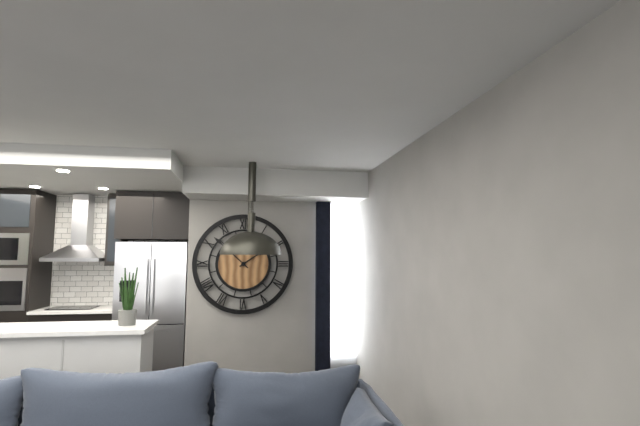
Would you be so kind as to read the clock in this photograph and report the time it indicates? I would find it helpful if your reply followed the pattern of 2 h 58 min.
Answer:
1 h 52 min
